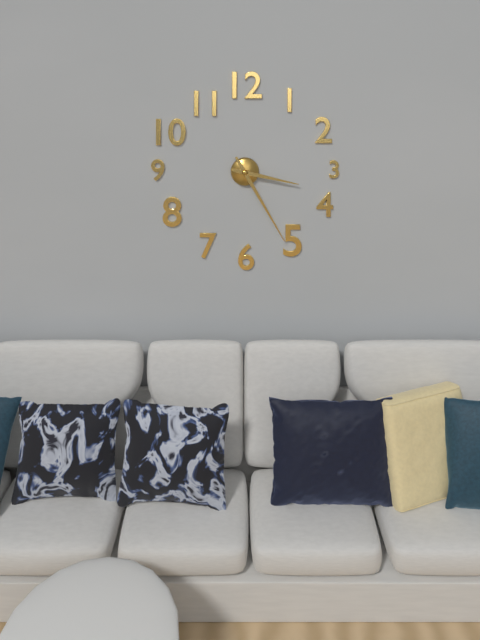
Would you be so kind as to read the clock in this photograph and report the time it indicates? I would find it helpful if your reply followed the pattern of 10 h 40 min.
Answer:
3 h 25 min
